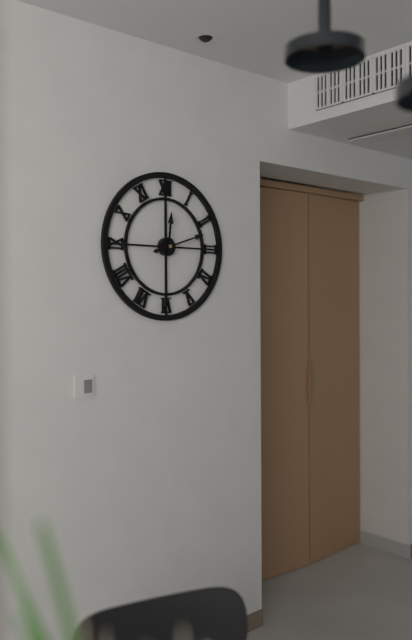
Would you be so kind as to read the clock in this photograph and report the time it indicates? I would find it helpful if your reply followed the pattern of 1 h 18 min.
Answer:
12 h 12 min
